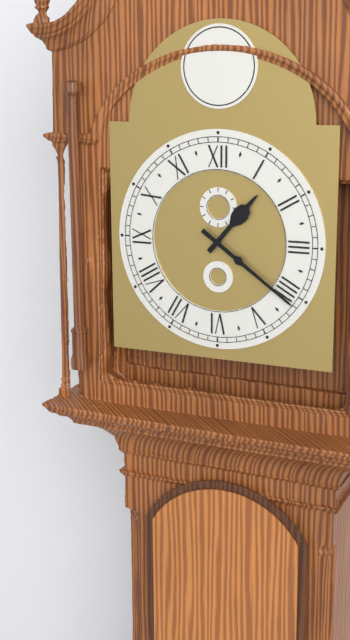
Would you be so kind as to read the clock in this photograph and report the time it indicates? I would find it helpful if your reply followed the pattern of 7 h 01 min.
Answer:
1 h 21 min
